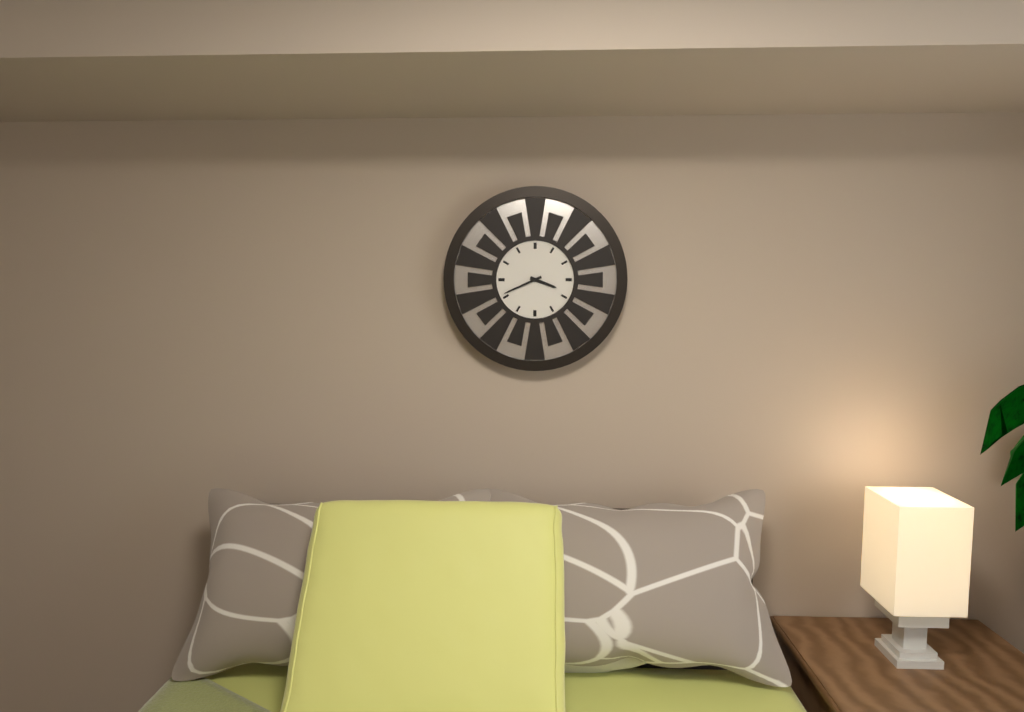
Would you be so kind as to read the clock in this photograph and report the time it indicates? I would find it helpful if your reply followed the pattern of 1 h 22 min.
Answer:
3 h 41 min
